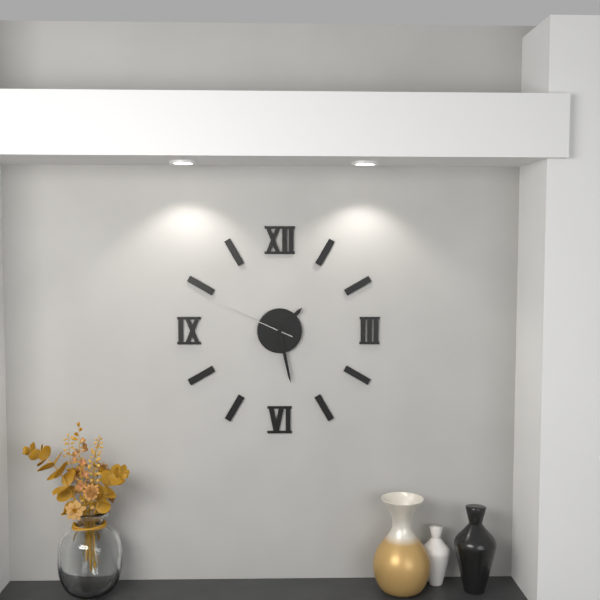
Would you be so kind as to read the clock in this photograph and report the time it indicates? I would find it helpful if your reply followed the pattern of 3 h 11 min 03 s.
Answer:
1 h 28 min 49 s
